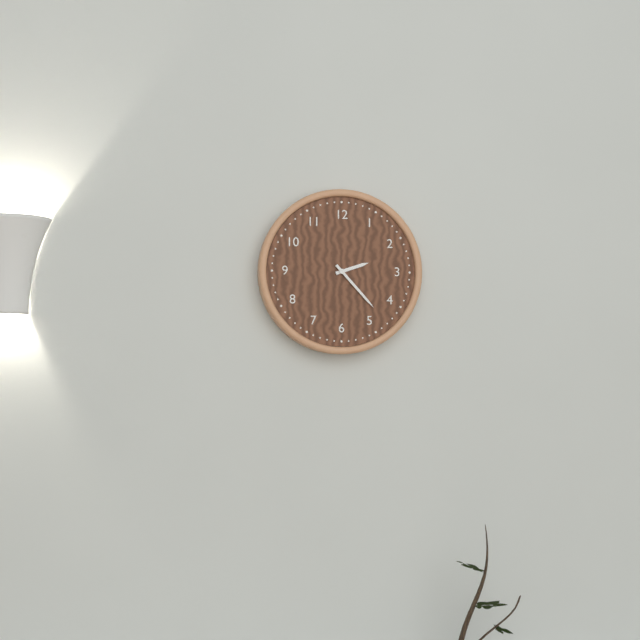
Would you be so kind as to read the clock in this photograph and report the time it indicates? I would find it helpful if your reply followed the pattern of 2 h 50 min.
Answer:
2 h 23 min
